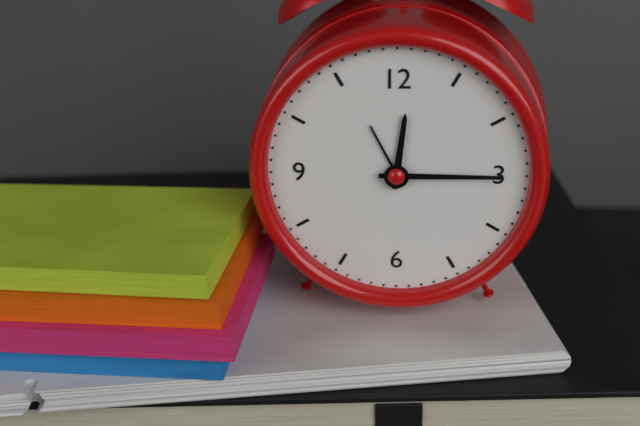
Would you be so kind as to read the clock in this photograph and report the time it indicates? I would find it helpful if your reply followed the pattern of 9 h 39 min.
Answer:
12 h 15 min
